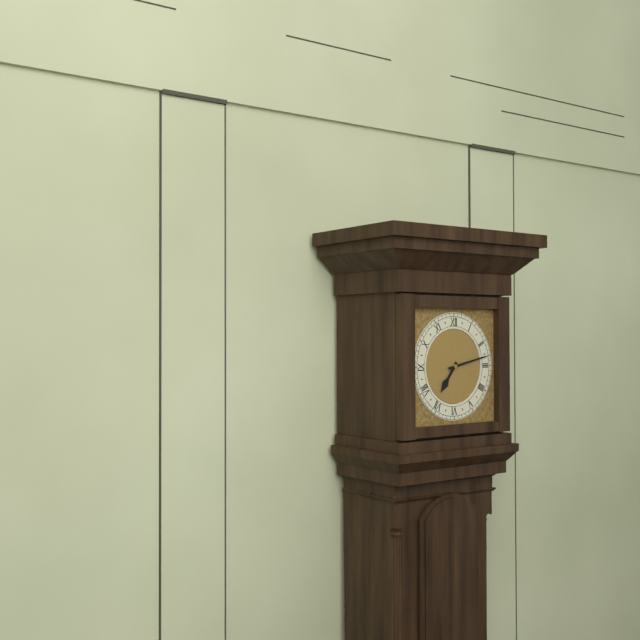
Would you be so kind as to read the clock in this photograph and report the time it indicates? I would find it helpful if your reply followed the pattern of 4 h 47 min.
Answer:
7 h 13 min
